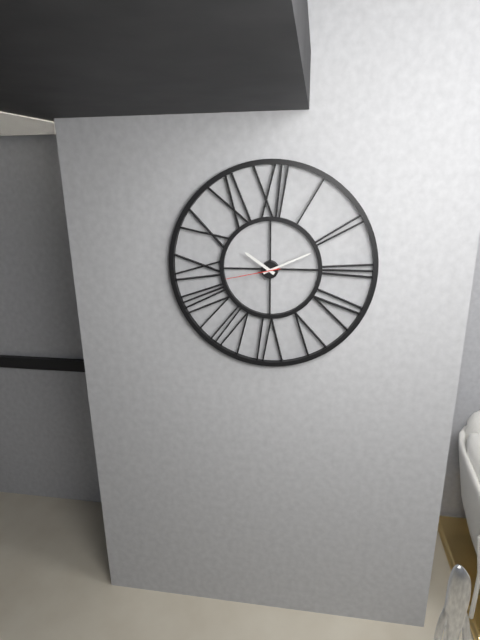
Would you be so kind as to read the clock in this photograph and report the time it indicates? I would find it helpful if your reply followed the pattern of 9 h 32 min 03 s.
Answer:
10 h 11 min 43 s
